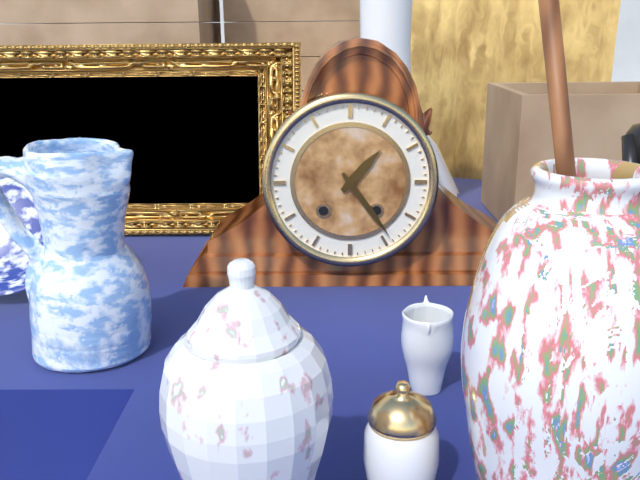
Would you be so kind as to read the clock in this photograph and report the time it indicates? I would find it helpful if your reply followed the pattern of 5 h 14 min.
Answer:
1 h 24 min
